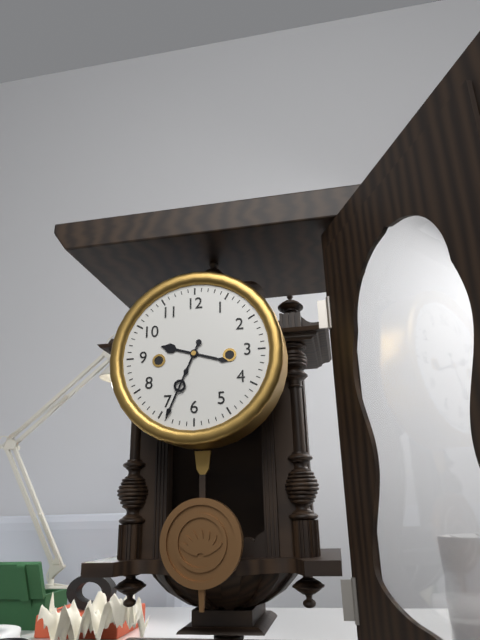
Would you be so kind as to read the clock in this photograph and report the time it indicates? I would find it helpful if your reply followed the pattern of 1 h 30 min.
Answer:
9 h 34 min
